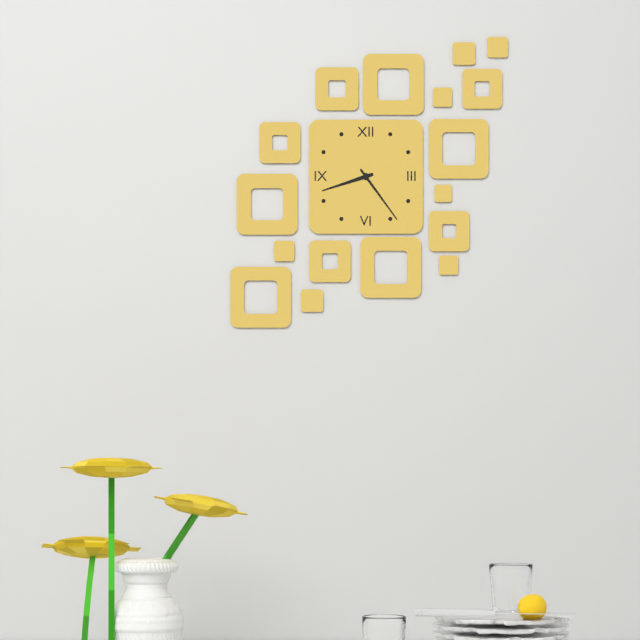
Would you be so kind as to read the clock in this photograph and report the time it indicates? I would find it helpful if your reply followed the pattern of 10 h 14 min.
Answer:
8 h 24 min
